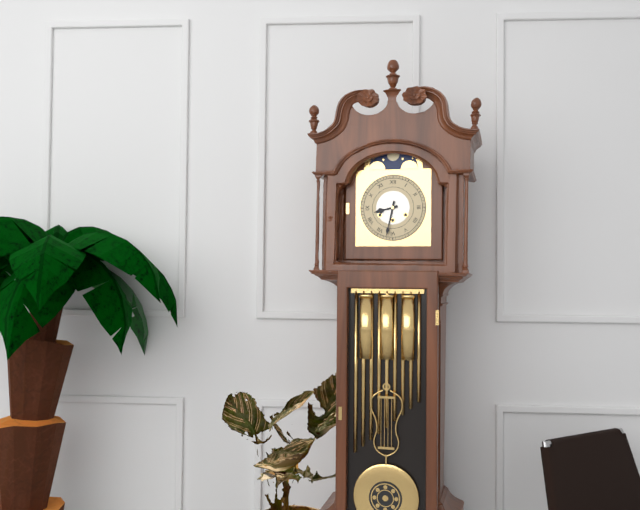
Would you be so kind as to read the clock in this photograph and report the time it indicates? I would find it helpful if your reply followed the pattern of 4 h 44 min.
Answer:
8 h 32 min
